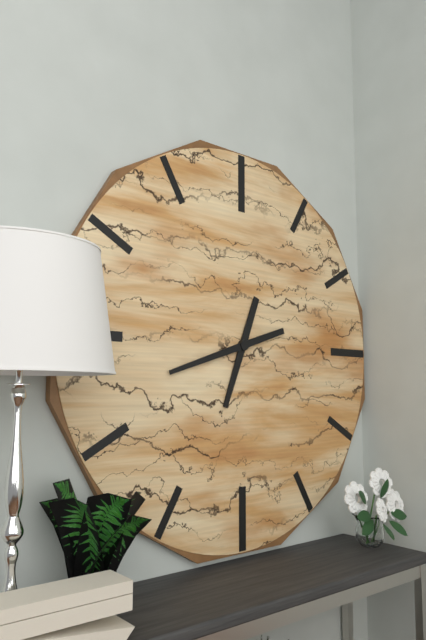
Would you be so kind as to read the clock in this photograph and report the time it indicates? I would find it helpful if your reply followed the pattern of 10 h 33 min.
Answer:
6 h 42 min
